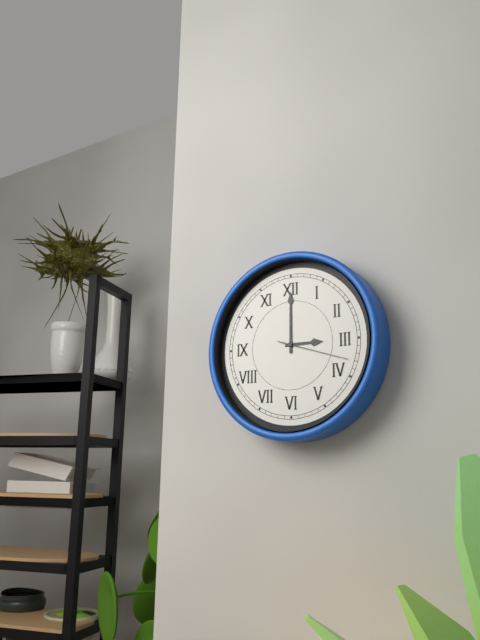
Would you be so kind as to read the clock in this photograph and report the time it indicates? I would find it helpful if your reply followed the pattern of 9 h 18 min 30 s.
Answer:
3 h 00 min 18 s
